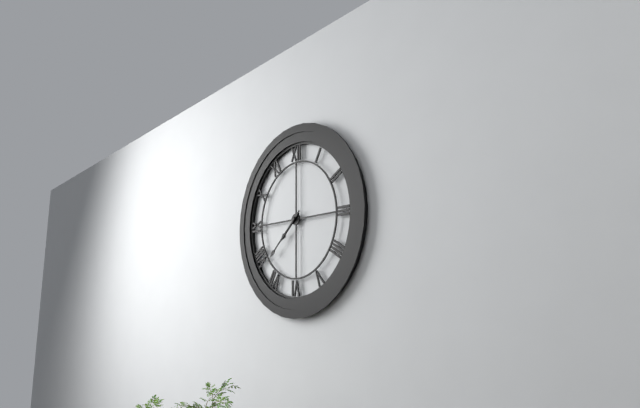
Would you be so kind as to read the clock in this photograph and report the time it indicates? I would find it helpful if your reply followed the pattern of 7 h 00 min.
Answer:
7 h 38 min
